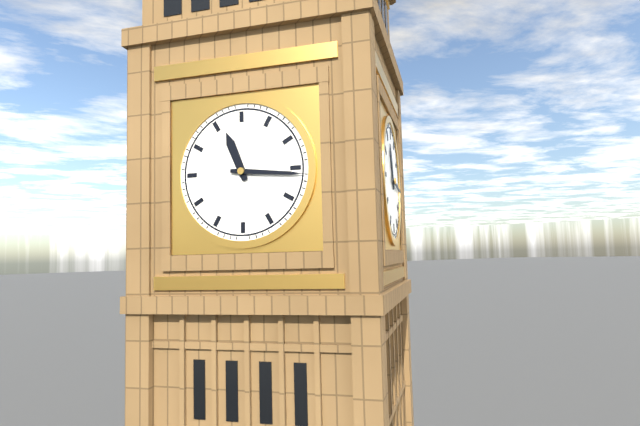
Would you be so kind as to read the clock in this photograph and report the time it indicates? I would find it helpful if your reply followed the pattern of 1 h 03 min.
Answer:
11 h 16 min
